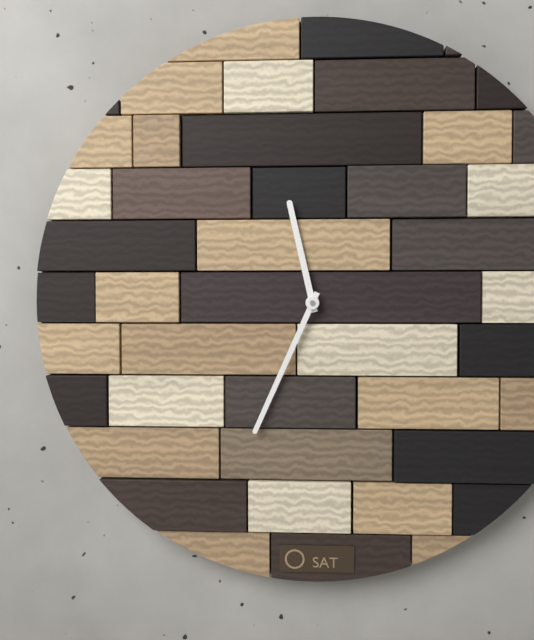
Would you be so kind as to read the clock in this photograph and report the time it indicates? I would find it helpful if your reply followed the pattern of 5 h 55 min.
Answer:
11 h 34 min
